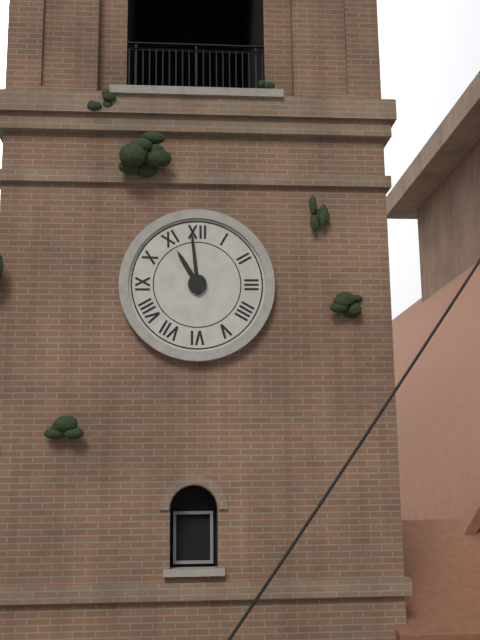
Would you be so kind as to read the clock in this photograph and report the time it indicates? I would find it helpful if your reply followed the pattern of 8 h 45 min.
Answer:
10 h 59 min
